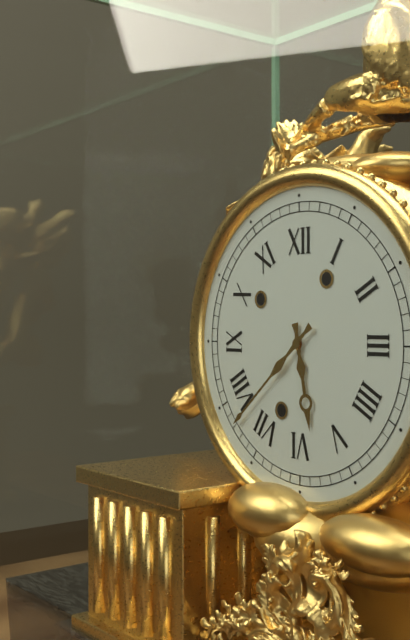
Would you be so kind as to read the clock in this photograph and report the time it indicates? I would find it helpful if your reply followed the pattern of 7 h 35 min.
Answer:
5 h 38 min
